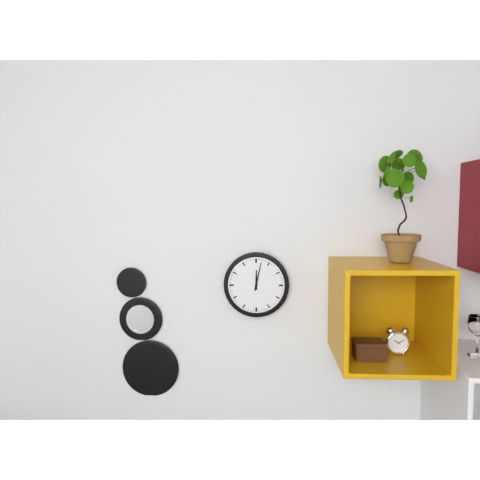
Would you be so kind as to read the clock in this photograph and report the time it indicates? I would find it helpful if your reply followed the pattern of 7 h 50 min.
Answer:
12 h 02 min
